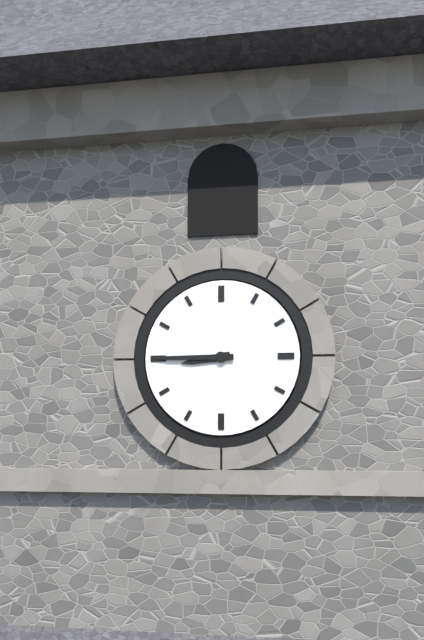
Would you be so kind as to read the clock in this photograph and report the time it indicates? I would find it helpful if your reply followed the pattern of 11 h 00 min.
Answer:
8 h 45 min
